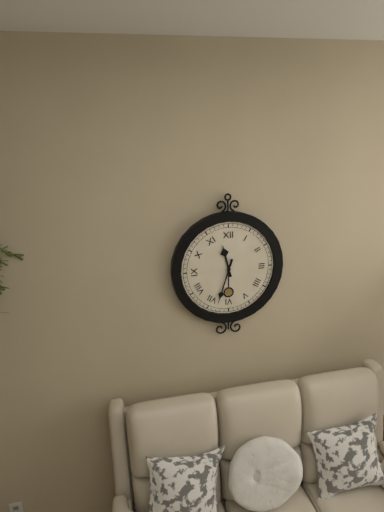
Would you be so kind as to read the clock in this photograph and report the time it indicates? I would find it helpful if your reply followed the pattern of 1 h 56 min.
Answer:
11 h 33 min
